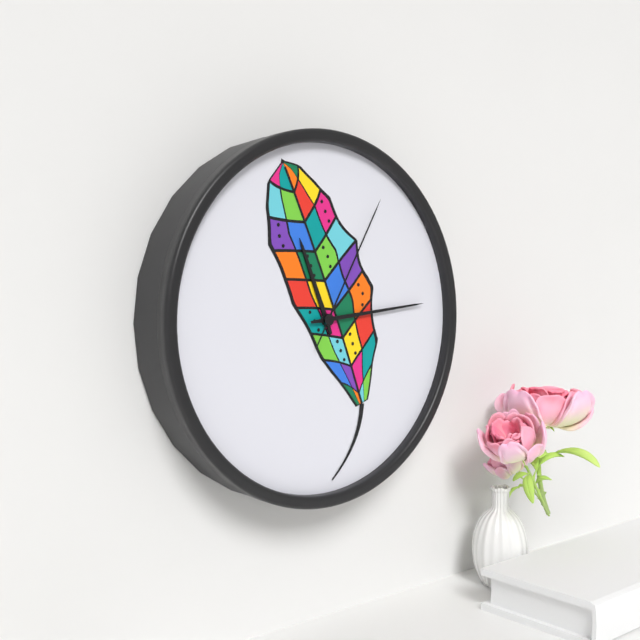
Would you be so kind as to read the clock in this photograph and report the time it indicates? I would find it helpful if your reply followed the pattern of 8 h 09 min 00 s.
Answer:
11 h 14 min 05 s
